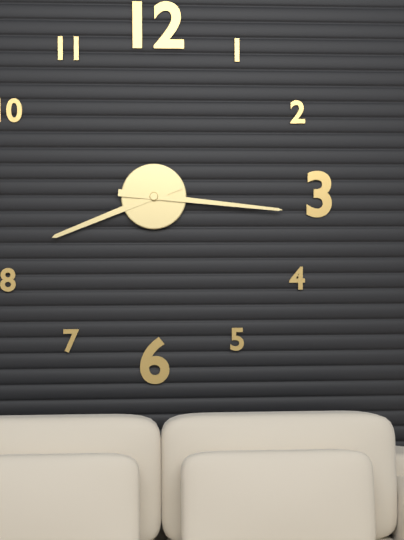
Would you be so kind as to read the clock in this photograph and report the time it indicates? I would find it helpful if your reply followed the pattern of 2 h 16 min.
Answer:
8 h 16 min
